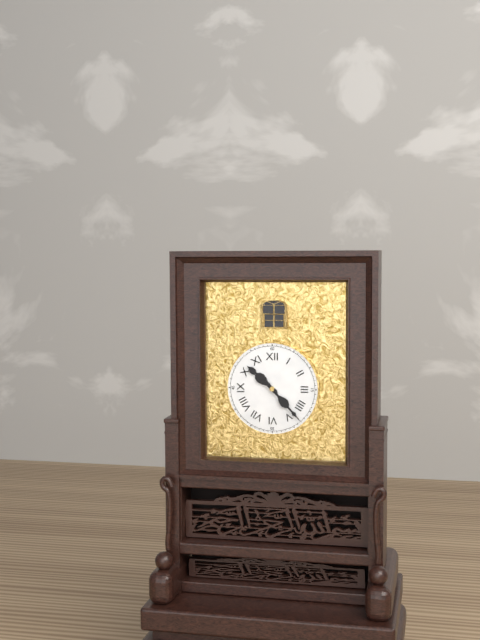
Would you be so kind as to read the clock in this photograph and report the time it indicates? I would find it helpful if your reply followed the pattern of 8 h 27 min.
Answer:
10 h 23 min
